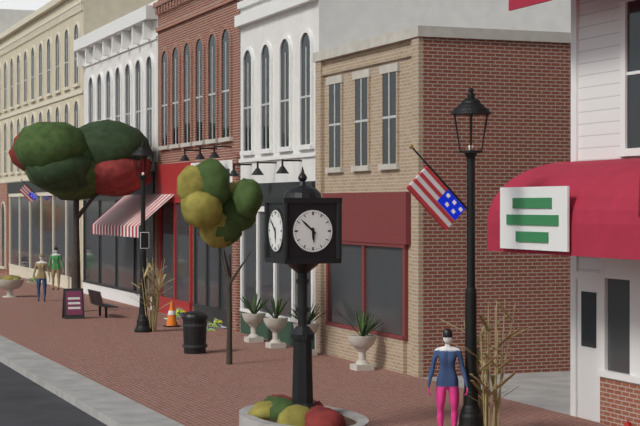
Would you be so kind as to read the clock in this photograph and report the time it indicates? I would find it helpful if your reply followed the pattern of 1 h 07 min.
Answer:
5 h 52 min
